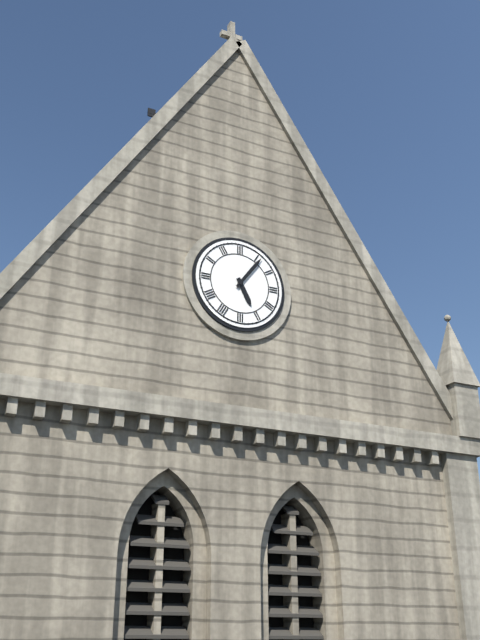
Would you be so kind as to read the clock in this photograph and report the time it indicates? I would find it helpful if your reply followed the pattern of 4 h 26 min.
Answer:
5 h 06 min
